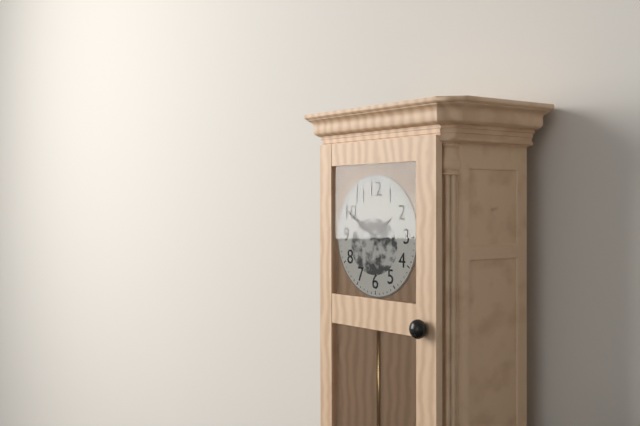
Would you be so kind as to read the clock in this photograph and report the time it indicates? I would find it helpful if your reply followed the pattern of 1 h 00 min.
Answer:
1 h 50 min
